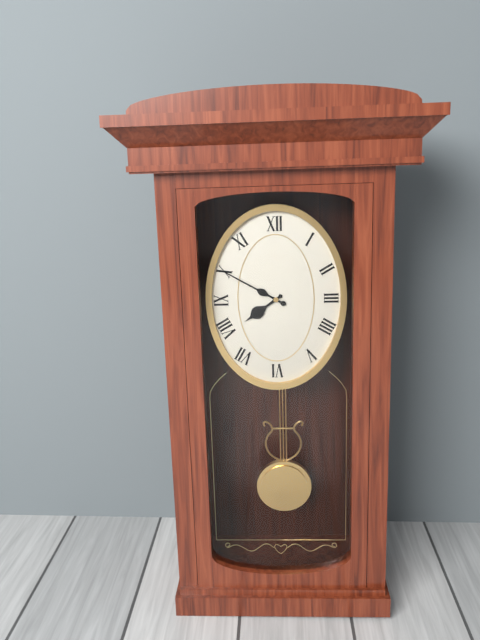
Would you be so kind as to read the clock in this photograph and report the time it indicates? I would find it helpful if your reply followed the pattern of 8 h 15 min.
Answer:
7 h 50 min
